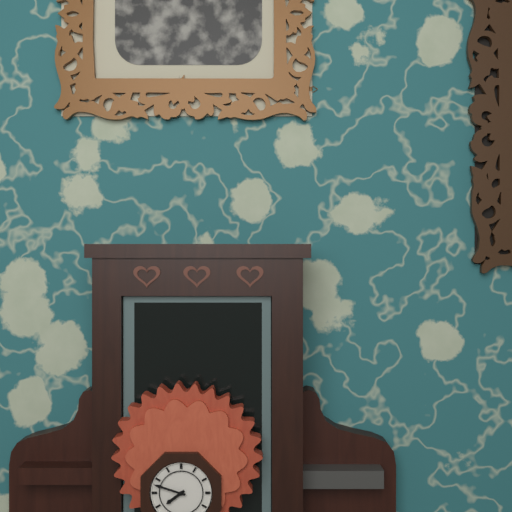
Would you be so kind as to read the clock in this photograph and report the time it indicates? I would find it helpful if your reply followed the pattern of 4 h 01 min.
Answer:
7 h 48 min
